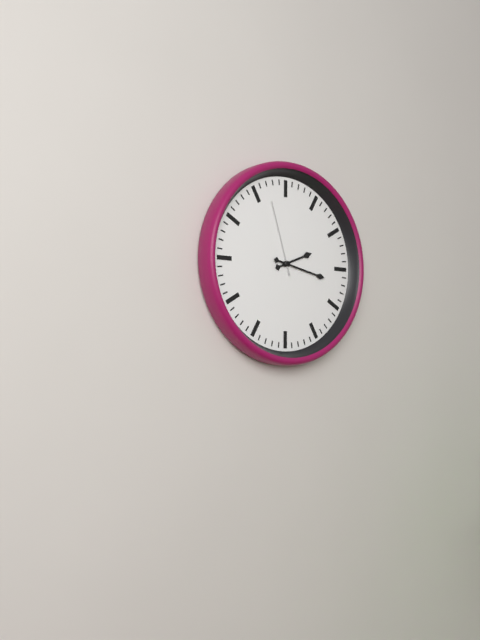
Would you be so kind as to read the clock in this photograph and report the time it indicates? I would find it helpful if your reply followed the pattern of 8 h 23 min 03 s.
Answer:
2 h 17 min 57 s
